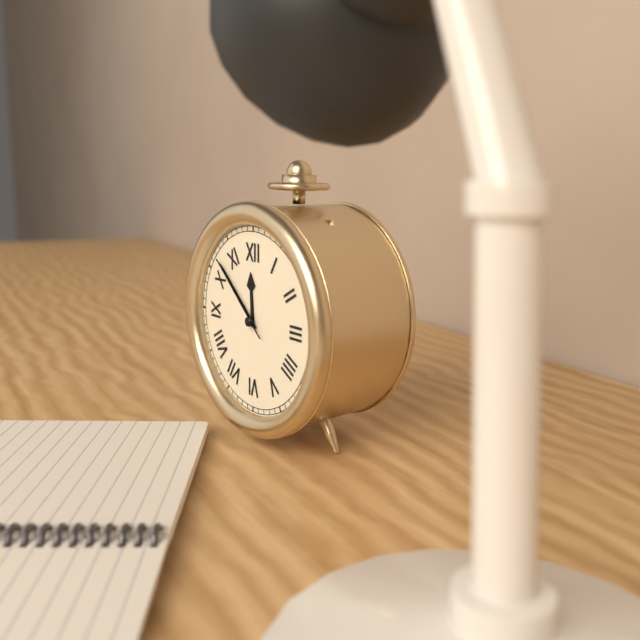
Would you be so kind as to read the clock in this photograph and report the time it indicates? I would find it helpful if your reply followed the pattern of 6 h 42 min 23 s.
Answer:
11 h 52 min 52 s
